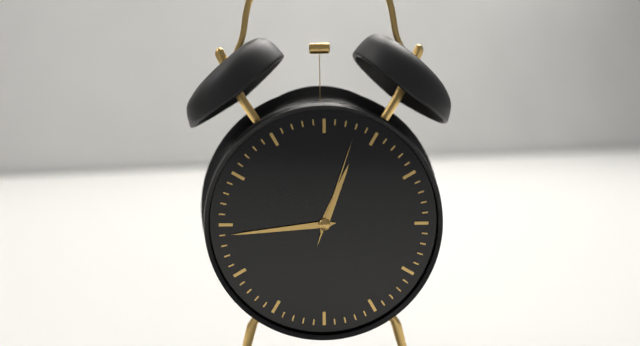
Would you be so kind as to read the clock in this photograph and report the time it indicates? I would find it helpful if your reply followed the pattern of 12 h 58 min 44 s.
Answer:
12 h 44 min 03 s
